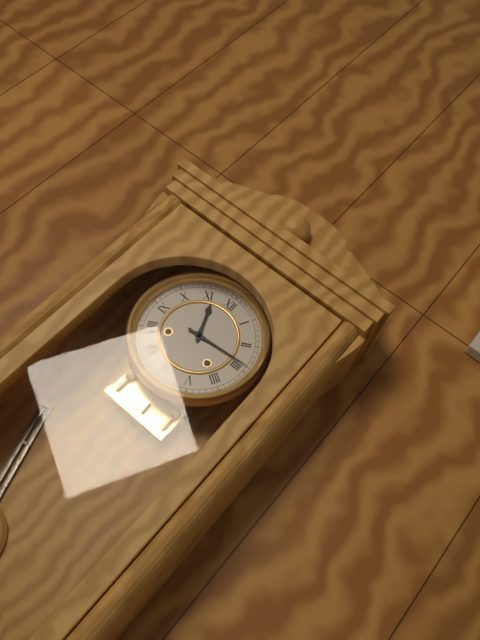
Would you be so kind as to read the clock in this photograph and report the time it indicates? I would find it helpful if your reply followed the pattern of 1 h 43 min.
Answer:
11 h 14 min
